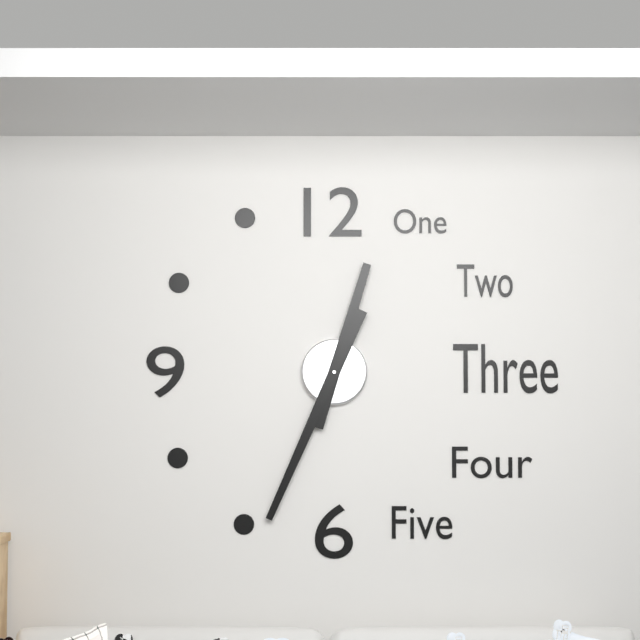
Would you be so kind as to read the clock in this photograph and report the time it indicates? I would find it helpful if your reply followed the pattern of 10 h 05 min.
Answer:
12 h 34 min
